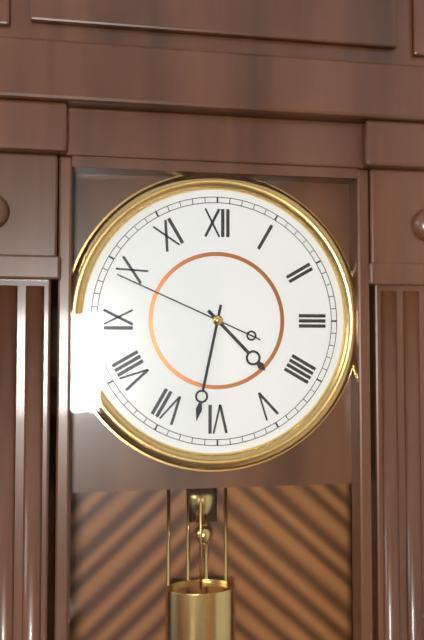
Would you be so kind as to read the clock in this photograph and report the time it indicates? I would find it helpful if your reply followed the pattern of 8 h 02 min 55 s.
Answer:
4 h 32 min 49 s
